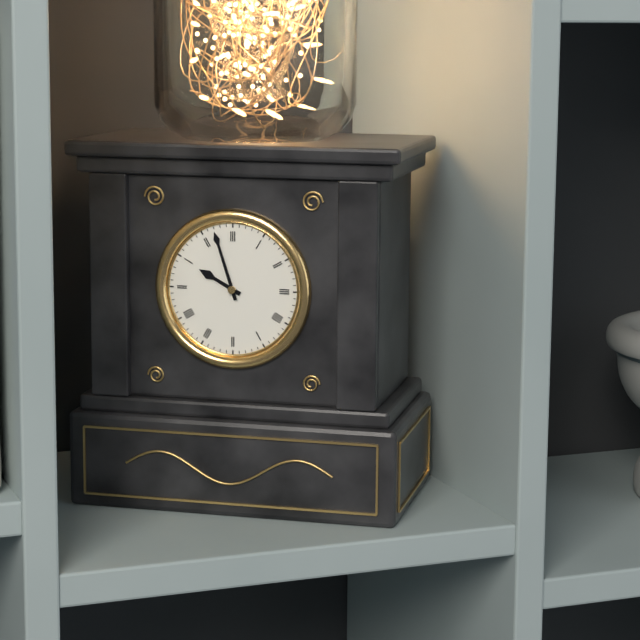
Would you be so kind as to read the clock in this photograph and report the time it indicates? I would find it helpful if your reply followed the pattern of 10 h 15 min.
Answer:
9 h 57 min
